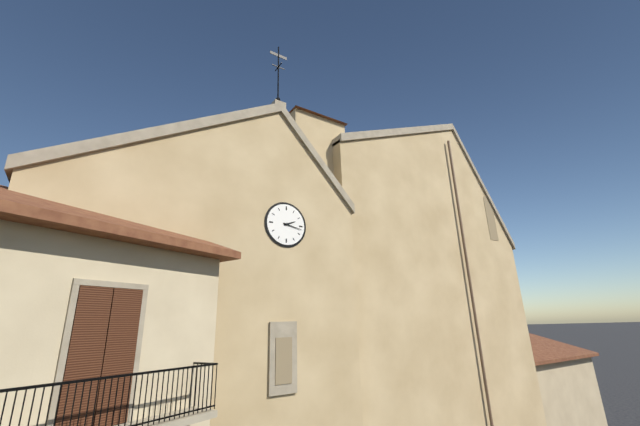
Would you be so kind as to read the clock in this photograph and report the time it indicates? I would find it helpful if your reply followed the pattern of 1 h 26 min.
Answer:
2 h 17 min
